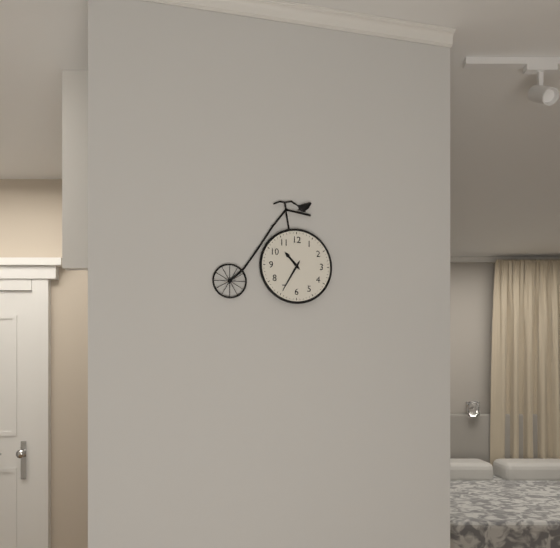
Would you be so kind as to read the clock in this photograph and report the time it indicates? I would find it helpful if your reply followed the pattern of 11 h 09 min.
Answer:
10 h 35 min
